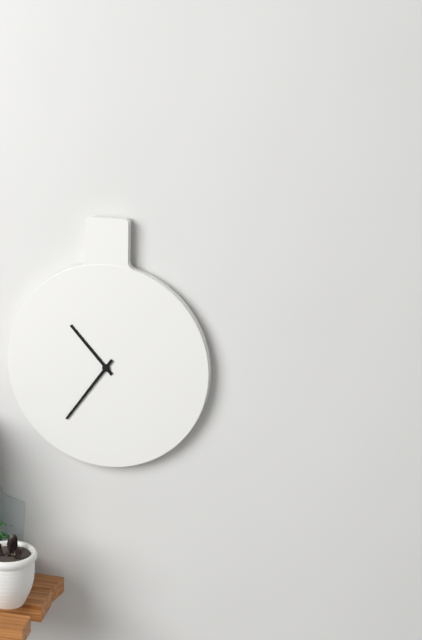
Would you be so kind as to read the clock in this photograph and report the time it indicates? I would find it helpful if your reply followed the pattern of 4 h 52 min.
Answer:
10 h 36 min
